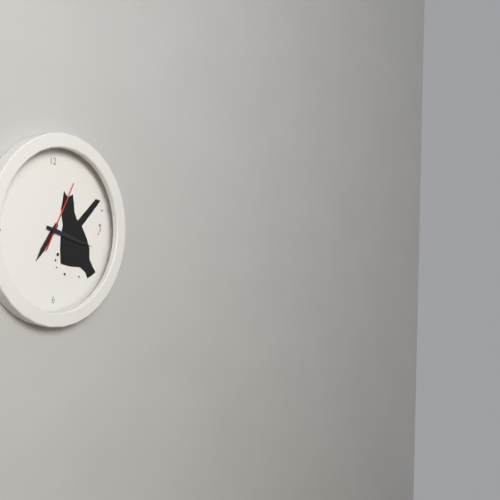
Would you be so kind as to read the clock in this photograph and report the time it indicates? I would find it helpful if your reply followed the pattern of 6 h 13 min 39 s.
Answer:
7 h 18 min 05 s
